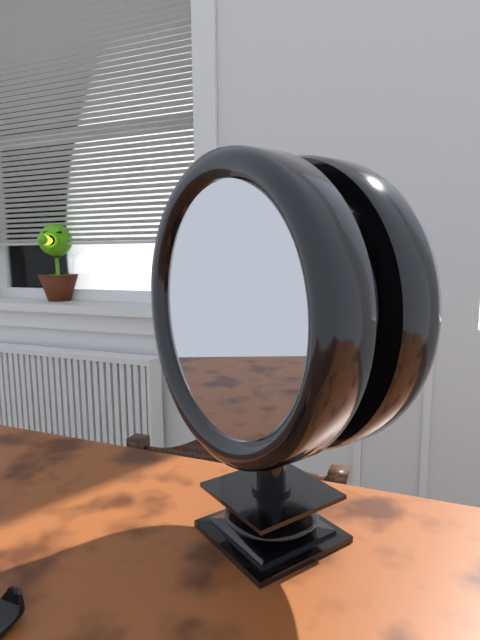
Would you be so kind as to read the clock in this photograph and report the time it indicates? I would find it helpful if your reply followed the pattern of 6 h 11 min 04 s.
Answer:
4 h 09 min 23 s
